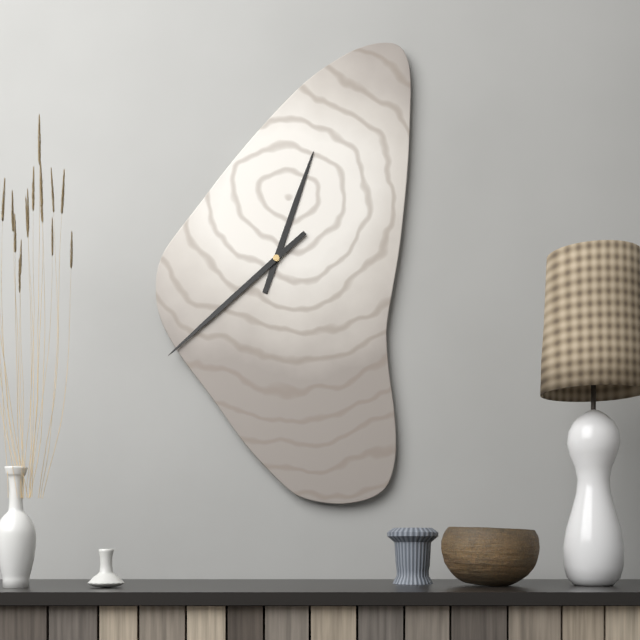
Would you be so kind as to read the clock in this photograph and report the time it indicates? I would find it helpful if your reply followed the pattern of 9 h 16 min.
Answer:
12 h 38 min
